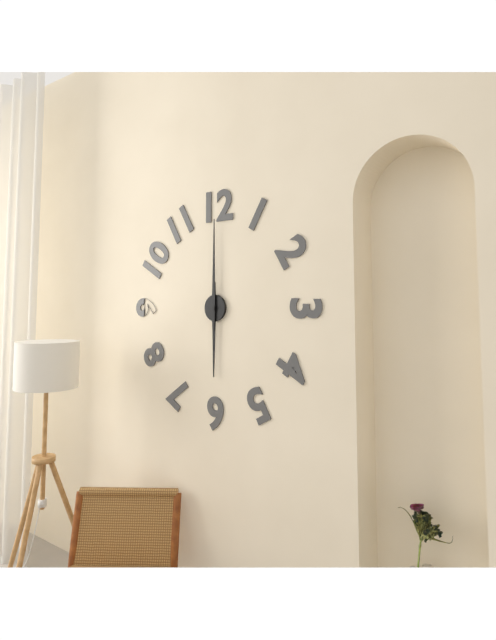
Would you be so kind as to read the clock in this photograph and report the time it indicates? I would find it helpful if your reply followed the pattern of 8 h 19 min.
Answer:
6 h 00 min
